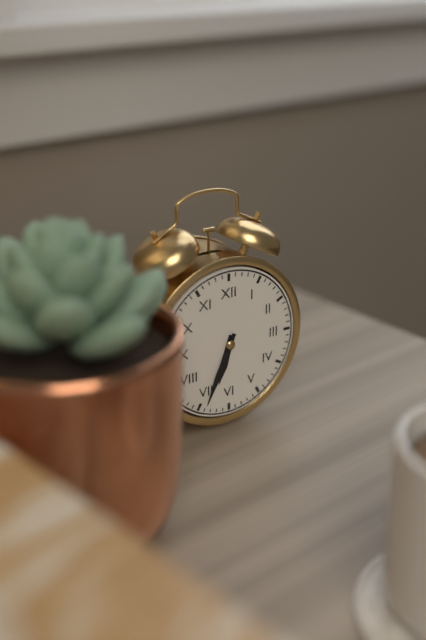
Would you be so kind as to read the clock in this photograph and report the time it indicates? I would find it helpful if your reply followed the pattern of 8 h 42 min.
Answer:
6 h 34 min
